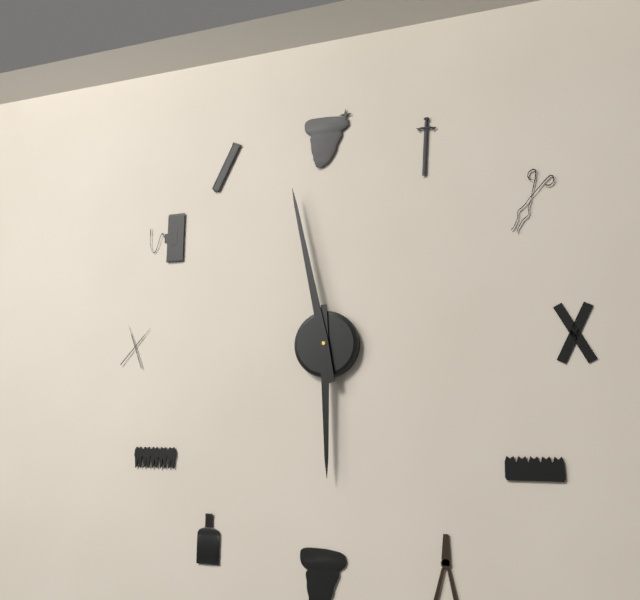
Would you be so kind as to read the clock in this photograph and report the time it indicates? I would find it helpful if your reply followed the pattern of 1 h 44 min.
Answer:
5 h 58 min
